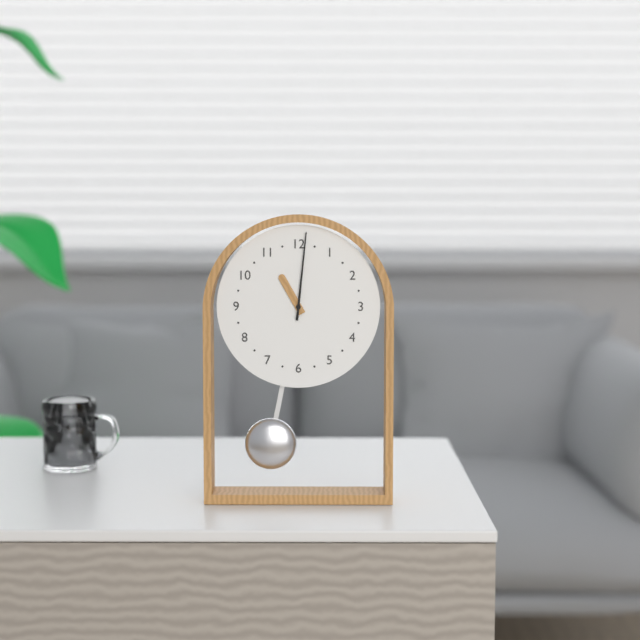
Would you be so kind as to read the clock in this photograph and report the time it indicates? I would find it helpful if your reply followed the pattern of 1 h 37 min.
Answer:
11 h 01 min
